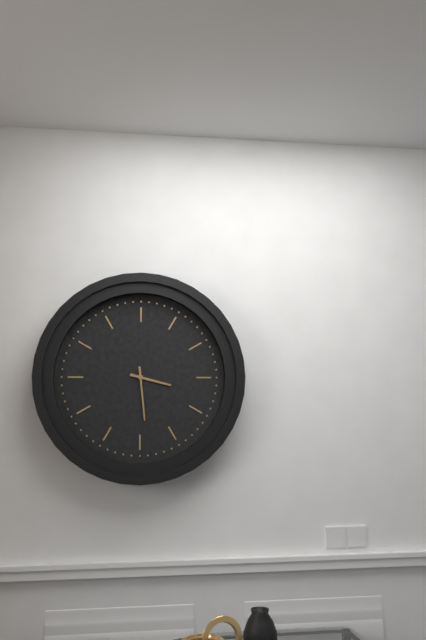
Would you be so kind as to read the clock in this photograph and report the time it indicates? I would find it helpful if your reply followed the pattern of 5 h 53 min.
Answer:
3 h 29 min
